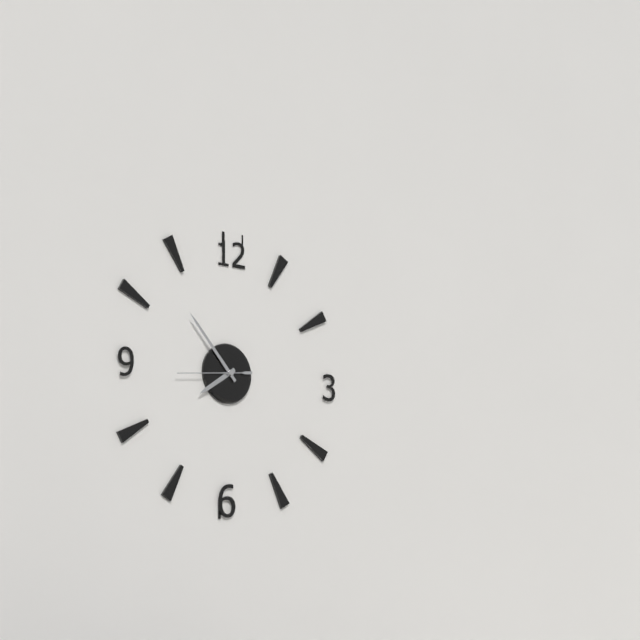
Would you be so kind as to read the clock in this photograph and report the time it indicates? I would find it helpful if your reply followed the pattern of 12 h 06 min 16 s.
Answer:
7 h 53 min 44 s
